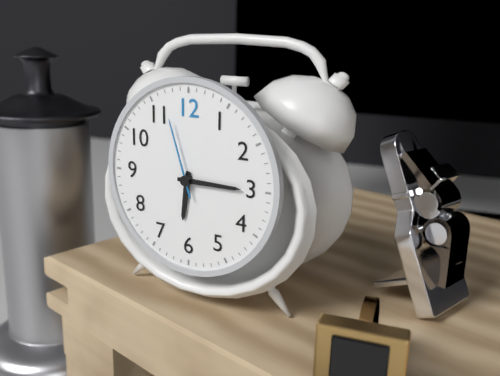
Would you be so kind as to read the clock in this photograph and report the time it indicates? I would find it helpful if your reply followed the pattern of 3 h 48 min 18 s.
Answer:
6 h 15 min 57 s
